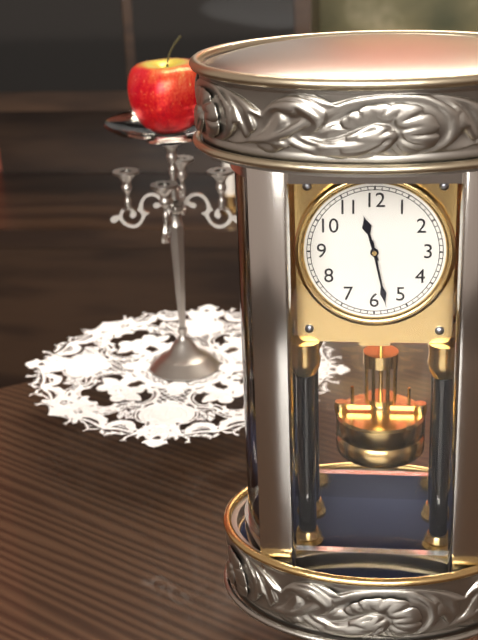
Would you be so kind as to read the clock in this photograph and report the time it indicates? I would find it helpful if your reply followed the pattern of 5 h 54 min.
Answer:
11 h 28 min
